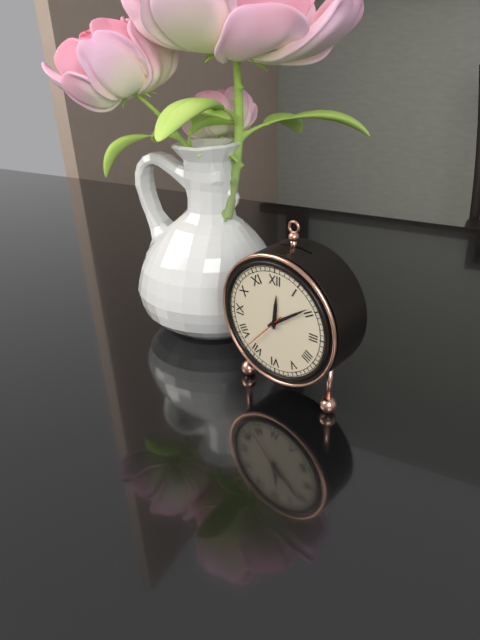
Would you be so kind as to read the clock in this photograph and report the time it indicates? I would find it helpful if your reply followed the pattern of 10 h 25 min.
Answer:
12 h 09 min
